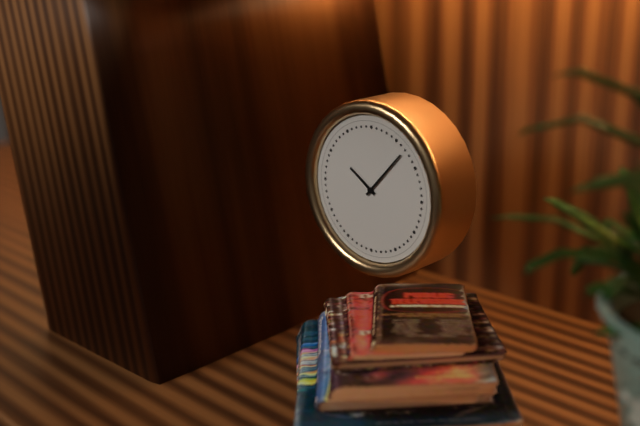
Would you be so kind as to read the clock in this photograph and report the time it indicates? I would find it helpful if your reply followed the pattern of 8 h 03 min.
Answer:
10 h 07 min
